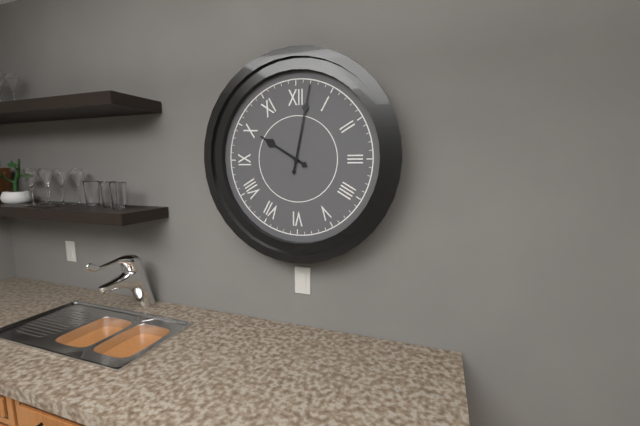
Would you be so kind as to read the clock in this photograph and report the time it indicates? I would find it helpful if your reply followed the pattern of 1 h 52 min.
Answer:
10 h 02 min
